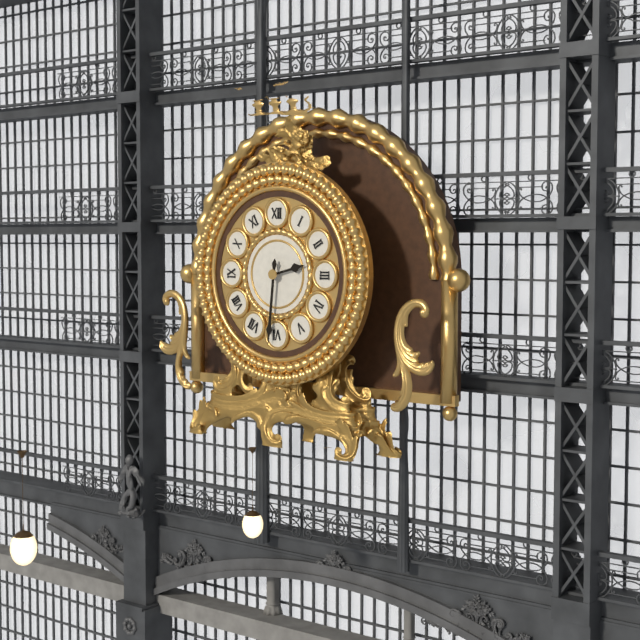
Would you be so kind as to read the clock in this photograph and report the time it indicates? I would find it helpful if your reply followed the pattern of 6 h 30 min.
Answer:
2 h 31 min
